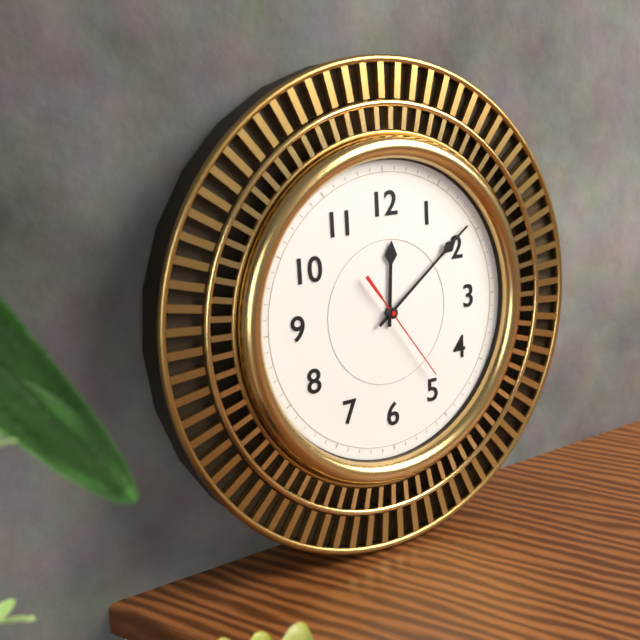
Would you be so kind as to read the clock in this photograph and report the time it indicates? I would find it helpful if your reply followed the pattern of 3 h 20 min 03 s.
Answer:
12 h 09 min 24 s
